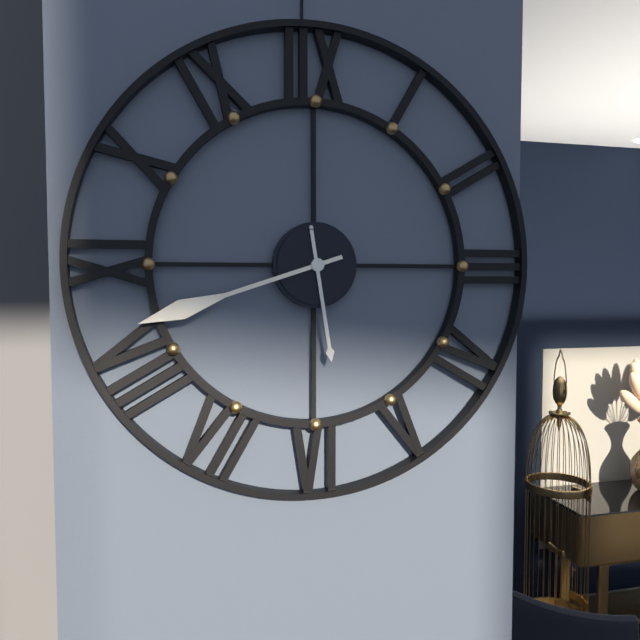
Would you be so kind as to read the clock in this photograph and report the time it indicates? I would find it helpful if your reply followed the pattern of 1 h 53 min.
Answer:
5 h 42 min
